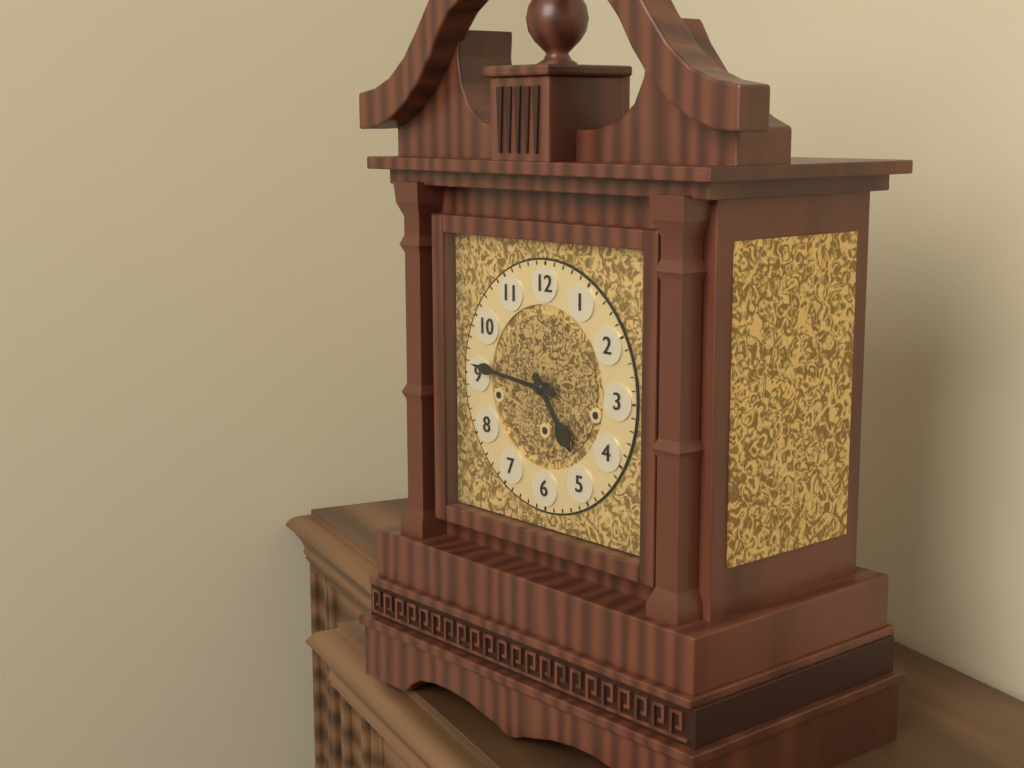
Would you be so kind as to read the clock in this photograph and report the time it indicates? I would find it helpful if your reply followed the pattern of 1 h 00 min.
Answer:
4 h 46 min
